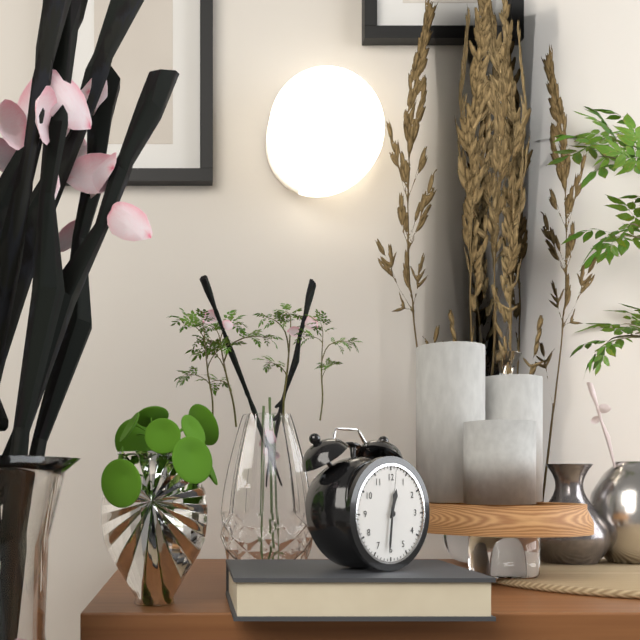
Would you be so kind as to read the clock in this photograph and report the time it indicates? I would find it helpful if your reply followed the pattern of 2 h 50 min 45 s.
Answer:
12 h 31 min 01 s
